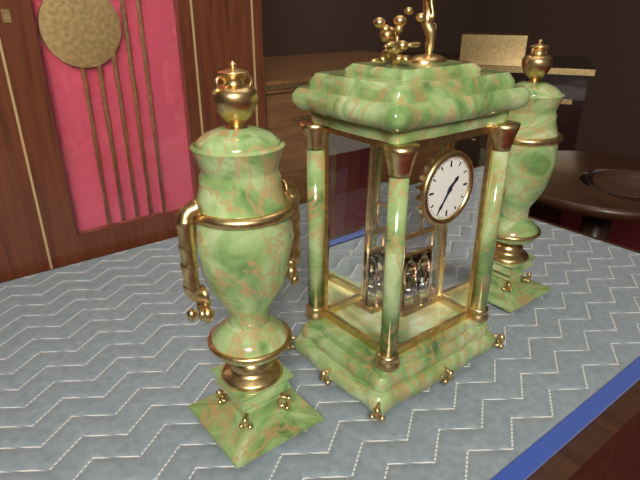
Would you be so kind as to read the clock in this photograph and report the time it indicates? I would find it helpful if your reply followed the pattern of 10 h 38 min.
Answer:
1 h 36 min
